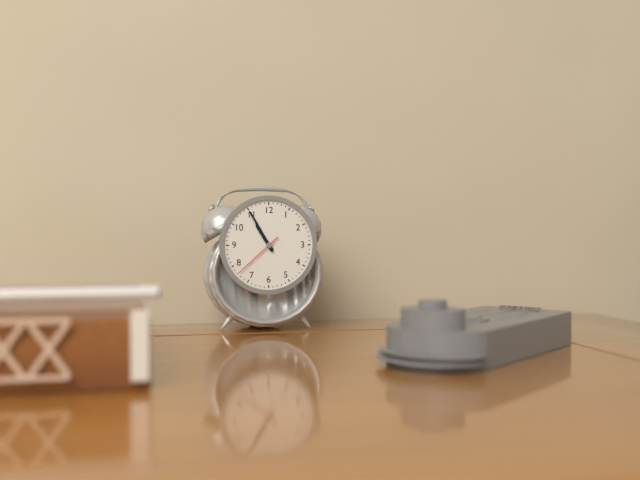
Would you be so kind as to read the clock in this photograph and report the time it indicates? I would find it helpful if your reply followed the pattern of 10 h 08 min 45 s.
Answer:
10 h 55 min 38 s
